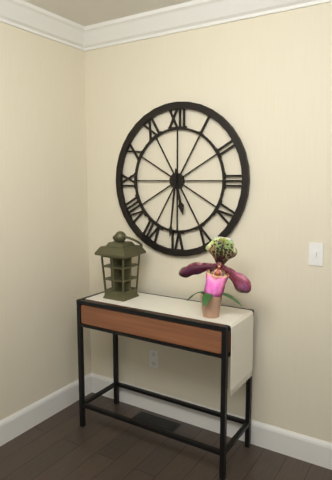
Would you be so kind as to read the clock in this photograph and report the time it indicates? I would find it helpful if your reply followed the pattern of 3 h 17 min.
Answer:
5 h 31 min
